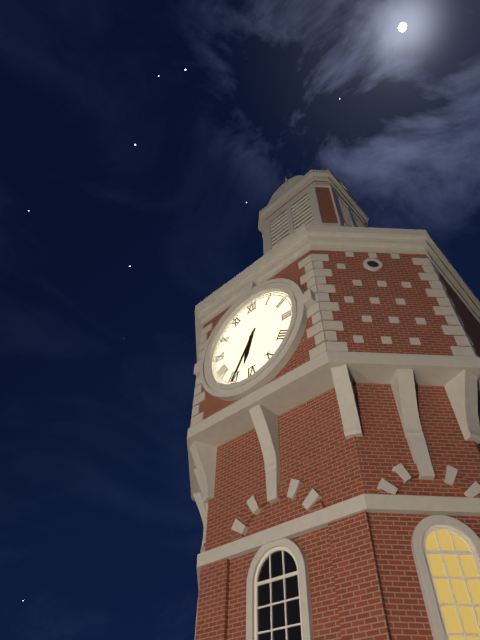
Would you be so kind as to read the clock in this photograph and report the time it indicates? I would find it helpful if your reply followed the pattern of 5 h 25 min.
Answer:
6 h 35 min
